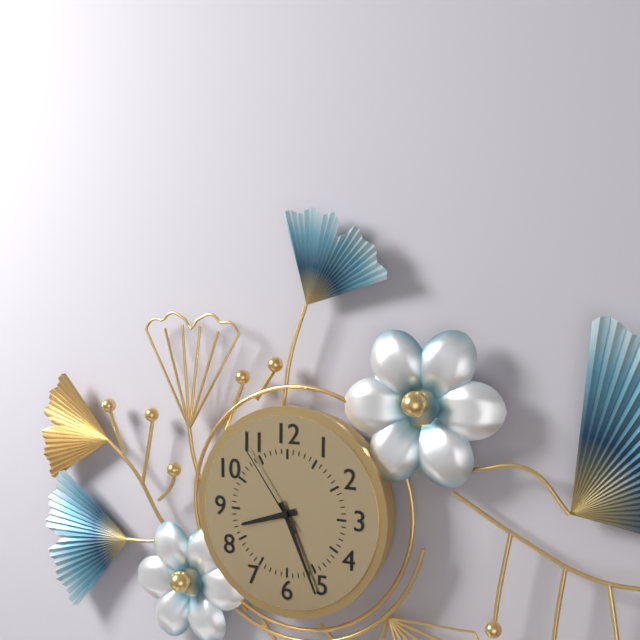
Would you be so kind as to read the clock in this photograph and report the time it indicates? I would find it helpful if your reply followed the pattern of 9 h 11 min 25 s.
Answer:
8 h 26 min 54 s
